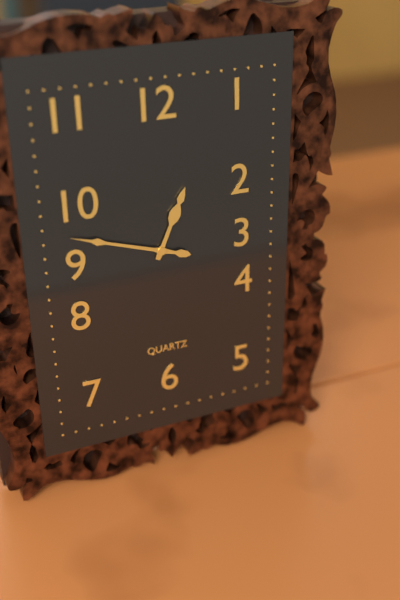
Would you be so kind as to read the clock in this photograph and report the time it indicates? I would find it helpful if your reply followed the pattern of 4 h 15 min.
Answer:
12 h 48 min
